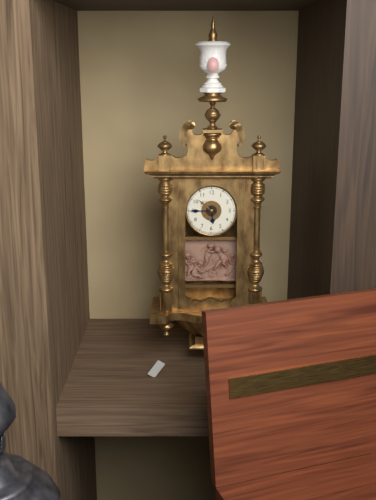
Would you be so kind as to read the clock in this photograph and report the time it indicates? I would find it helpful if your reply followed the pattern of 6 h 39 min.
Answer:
5 h 45 min
